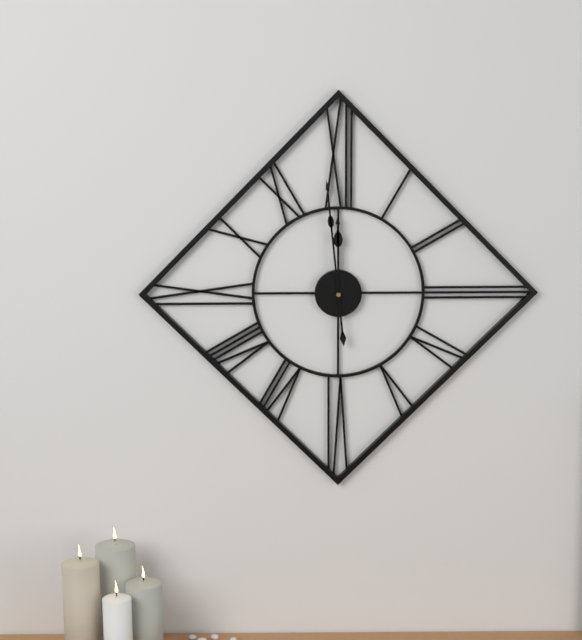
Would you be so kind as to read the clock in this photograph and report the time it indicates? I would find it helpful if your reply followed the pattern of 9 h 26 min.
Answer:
11 h 59 min
